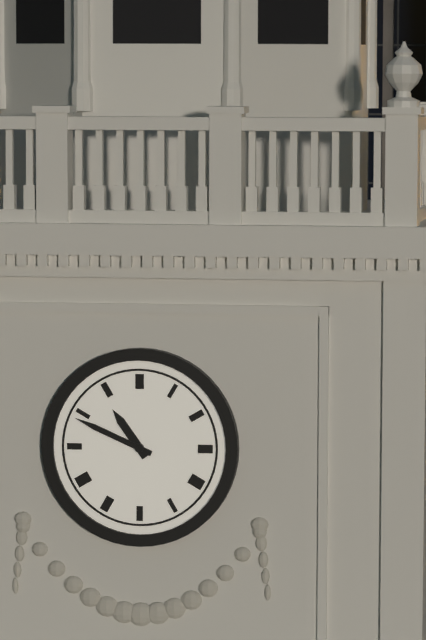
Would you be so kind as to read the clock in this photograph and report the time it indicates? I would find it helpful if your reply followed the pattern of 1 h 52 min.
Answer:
10 h 49 min
